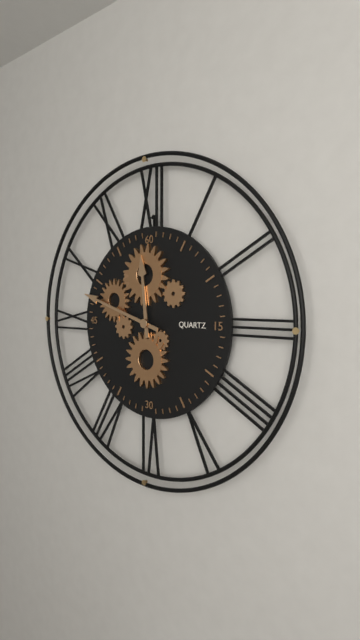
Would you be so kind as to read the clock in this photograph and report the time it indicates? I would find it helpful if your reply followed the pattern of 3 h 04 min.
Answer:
11 h 48 min
